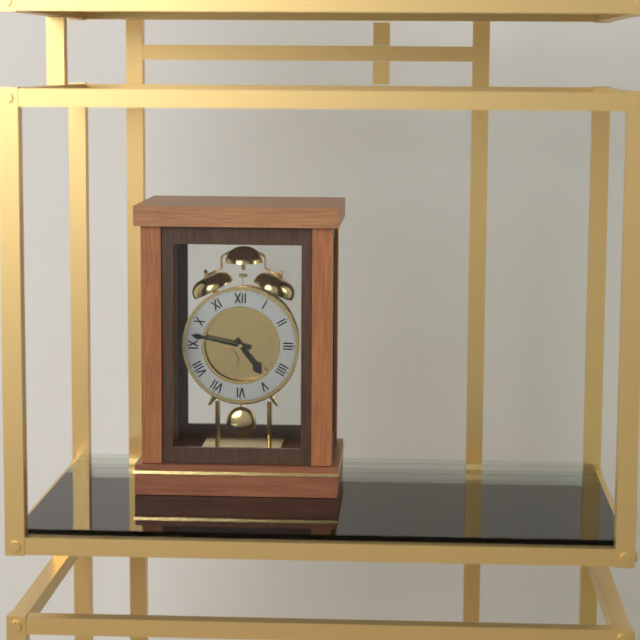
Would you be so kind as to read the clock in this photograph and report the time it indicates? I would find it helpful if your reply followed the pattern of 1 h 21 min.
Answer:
4 h 47 min
